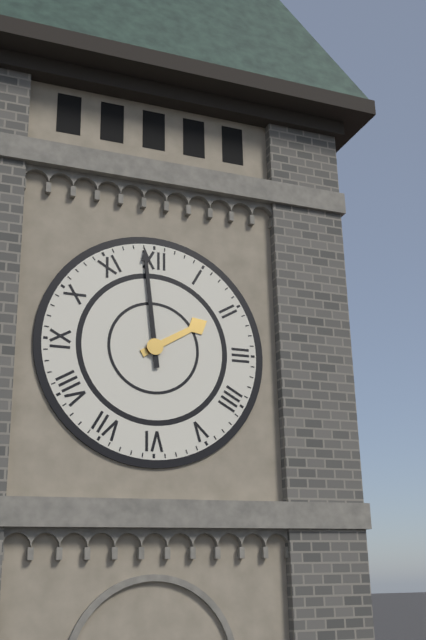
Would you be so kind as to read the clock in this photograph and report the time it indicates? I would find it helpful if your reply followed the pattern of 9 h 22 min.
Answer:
1 h 59 min
